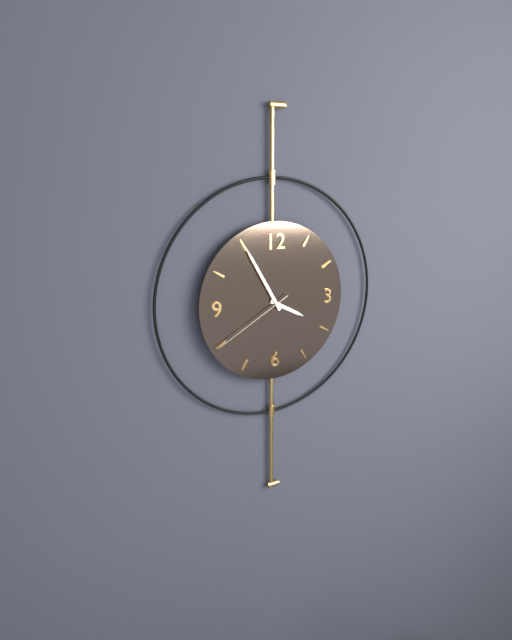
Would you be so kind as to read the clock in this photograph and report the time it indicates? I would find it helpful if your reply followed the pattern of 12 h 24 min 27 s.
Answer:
3 h 55 min 40 s
